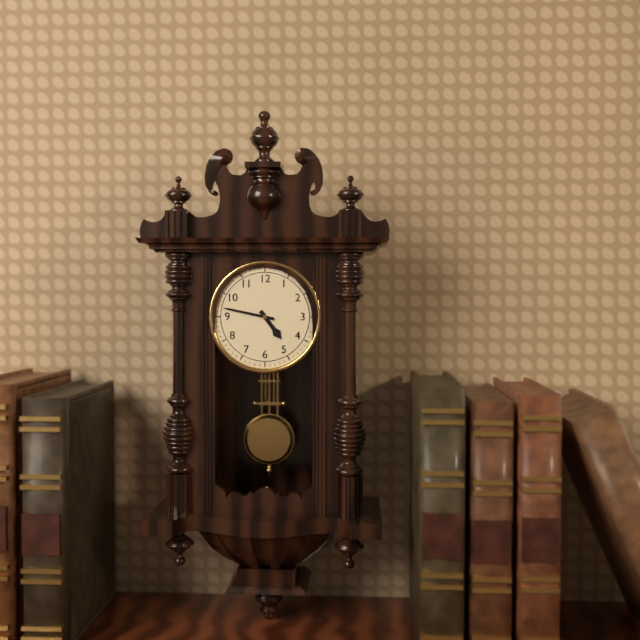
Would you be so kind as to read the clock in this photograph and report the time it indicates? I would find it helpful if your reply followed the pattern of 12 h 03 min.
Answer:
4 h 47 min
